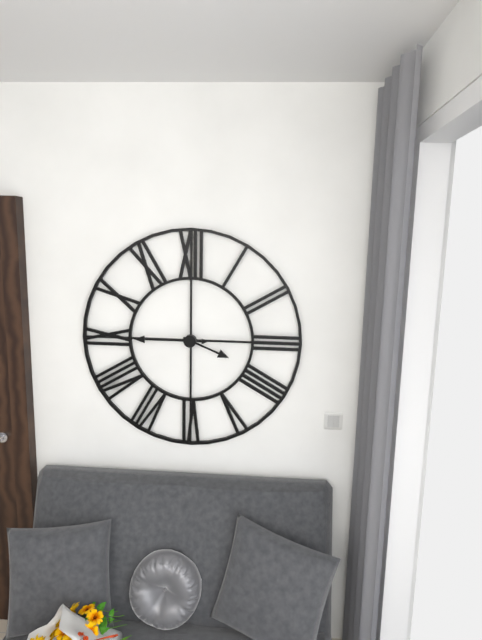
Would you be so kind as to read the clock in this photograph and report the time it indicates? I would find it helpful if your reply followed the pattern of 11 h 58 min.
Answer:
3 h 45 min
